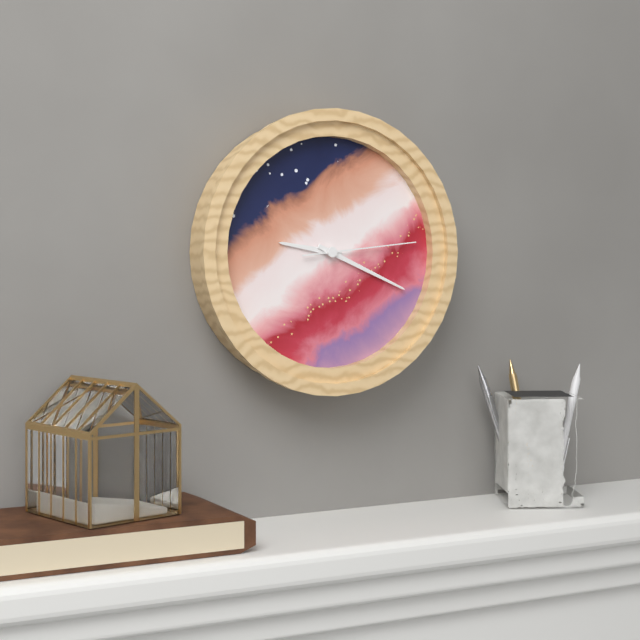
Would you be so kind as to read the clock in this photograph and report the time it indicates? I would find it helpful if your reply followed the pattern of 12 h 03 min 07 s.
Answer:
9 h 19 min 14 s
